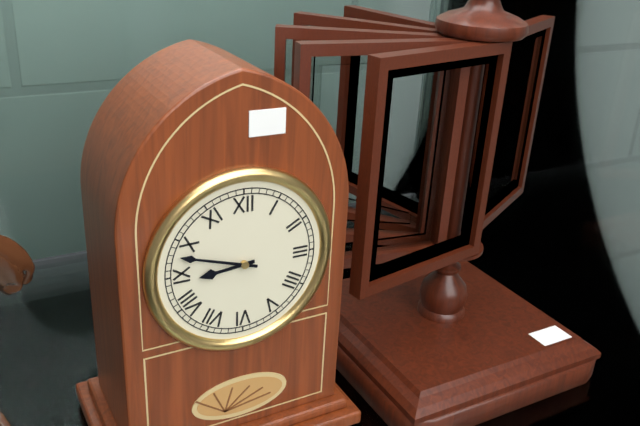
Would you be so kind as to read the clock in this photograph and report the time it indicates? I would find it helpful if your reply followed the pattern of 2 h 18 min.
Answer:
8 h 48 min
